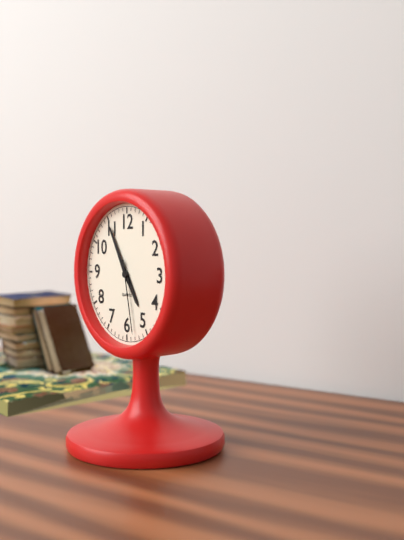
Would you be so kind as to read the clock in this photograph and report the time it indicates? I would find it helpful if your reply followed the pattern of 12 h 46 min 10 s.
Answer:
4 h 55 min 28 s
